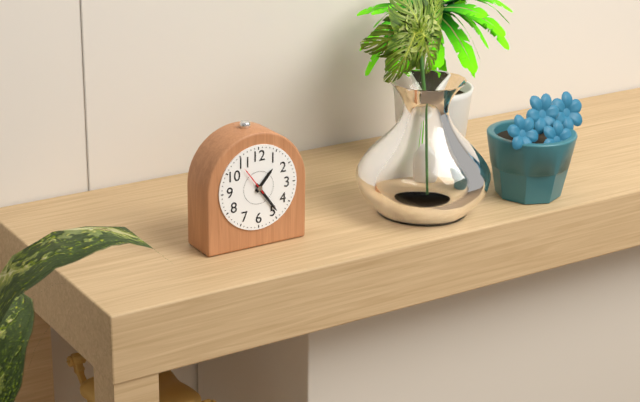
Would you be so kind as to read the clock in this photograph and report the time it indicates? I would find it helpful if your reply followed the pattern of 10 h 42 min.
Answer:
1 h 24 min
